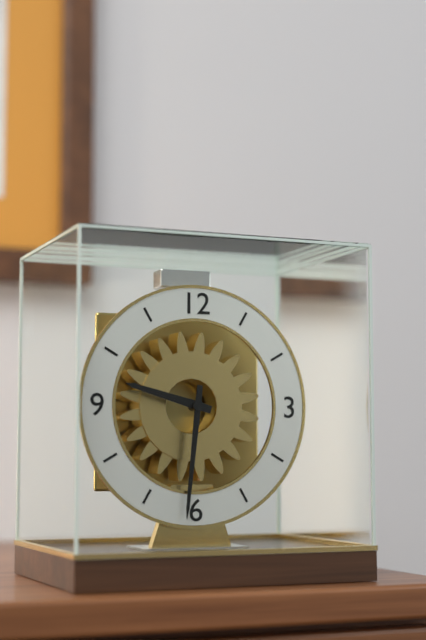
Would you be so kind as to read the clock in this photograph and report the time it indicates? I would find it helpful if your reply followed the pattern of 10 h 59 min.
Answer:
9 h 31 min
